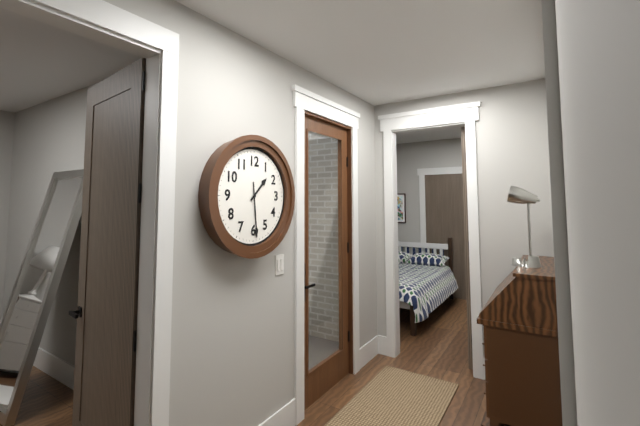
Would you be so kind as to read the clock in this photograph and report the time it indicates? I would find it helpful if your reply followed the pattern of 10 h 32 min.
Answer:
1 h 29 min
